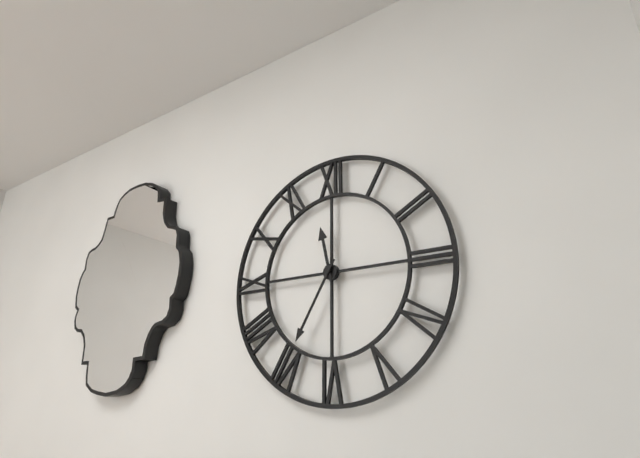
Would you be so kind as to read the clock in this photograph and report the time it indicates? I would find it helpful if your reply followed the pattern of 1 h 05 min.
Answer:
11 h 35 min
